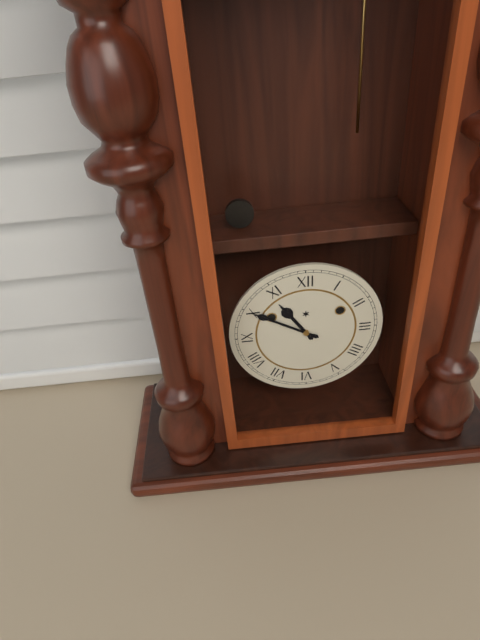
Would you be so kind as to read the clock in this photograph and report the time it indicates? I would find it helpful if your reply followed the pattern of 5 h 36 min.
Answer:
10 h 50 min
